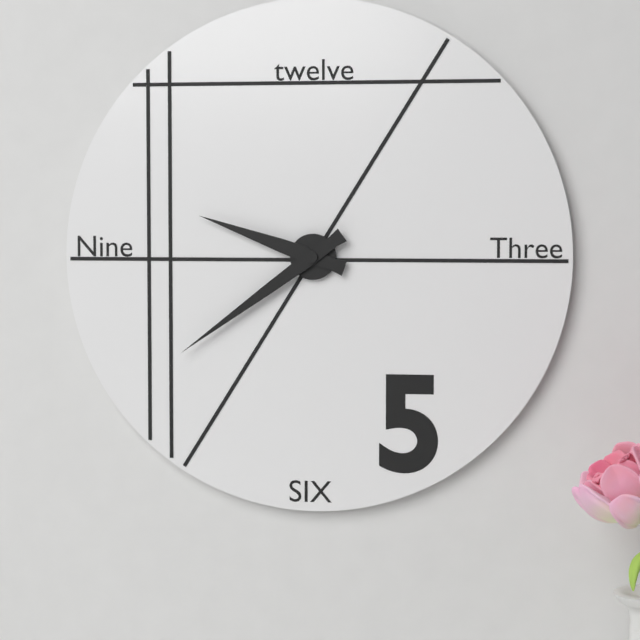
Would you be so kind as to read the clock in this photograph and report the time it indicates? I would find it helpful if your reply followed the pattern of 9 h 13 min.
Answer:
9 h 39 min
